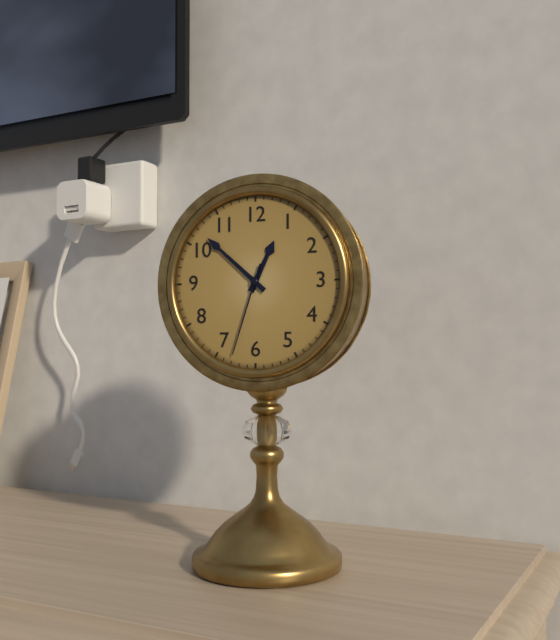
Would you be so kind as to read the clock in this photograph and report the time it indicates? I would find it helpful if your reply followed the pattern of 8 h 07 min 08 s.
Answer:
12 h 52 min 33 s
